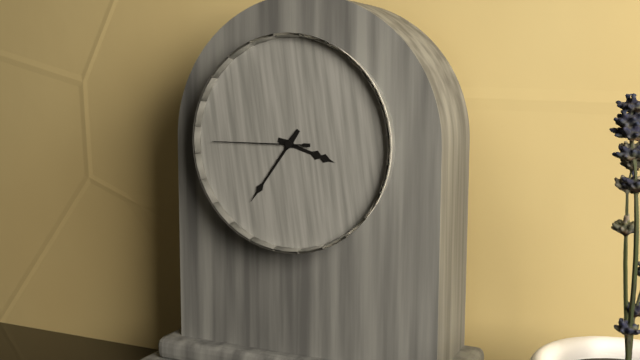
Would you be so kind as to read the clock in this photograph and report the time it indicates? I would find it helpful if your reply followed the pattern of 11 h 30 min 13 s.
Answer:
3 h 36 min 45 s
